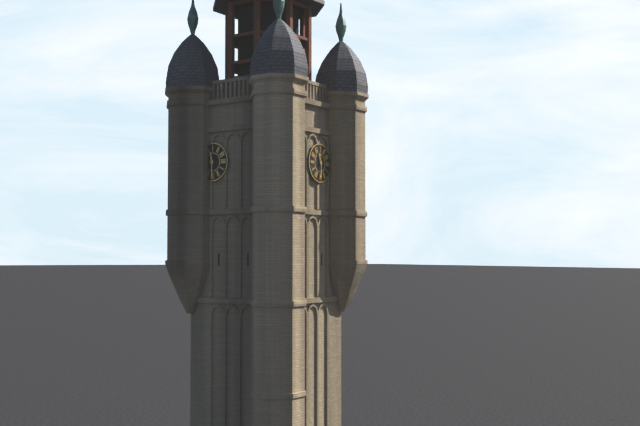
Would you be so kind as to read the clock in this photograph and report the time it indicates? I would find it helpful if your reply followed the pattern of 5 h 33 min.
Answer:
11 h 30 min
